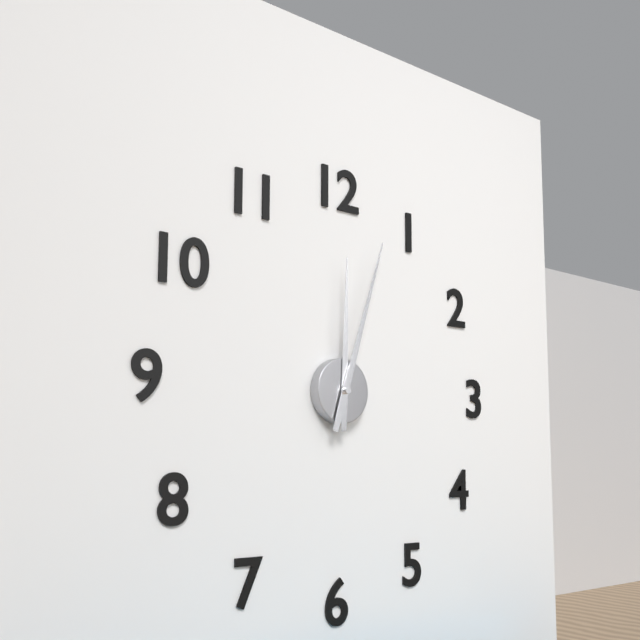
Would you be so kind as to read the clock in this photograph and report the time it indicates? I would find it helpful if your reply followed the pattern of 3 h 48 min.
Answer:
12 h 03 min
